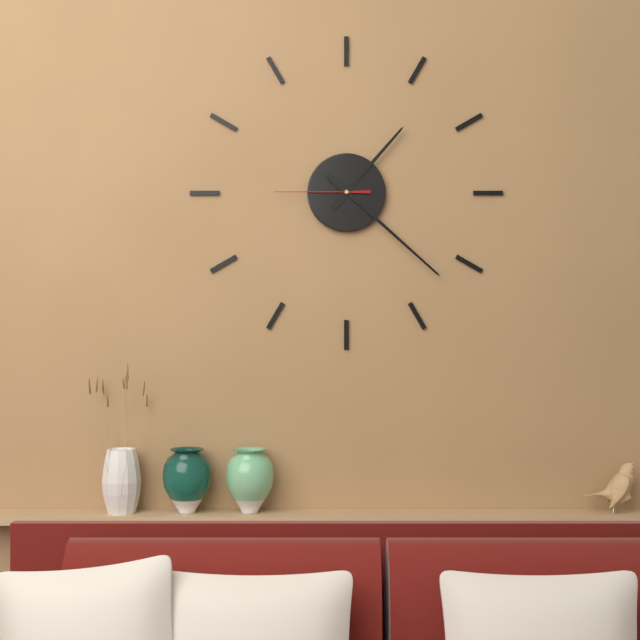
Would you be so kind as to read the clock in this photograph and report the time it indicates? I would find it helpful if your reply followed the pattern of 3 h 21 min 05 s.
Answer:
1 h 22 min 45 s
